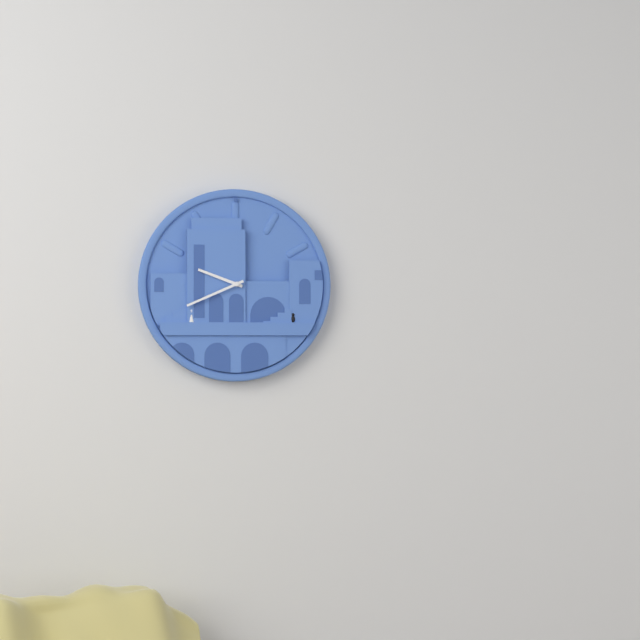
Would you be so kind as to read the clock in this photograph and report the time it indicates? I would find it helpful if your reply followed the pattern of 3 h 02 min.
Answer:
9 h 41 min
